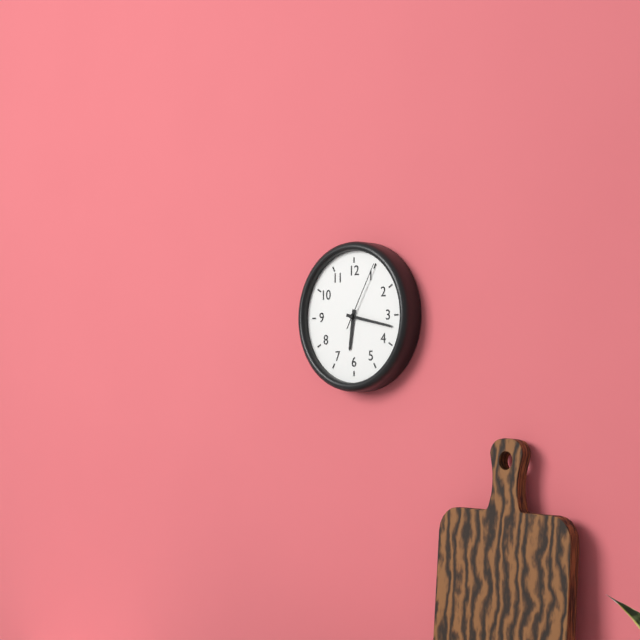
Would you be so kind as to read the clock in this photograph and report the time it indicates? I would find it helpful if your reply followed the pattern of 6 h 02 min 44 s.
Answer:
6 h 17 min 05 s
